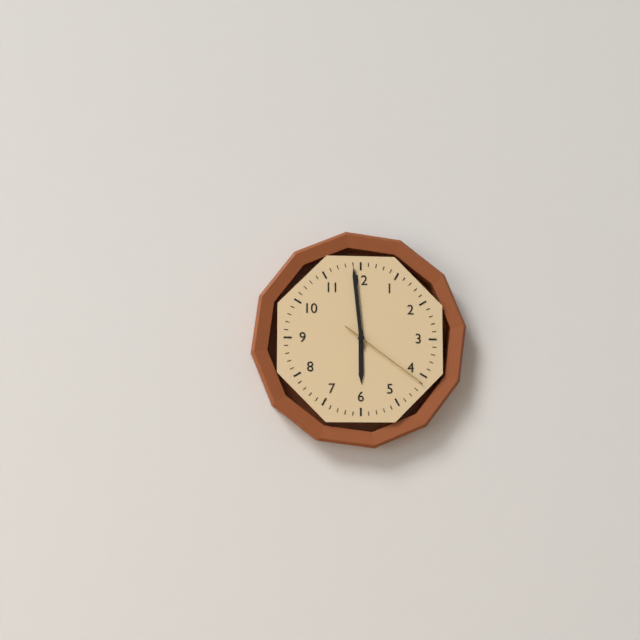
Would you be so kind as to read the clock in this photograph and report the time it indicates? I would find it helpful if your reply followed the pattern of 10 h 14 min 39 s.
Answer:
5 h 59 min 21 s
